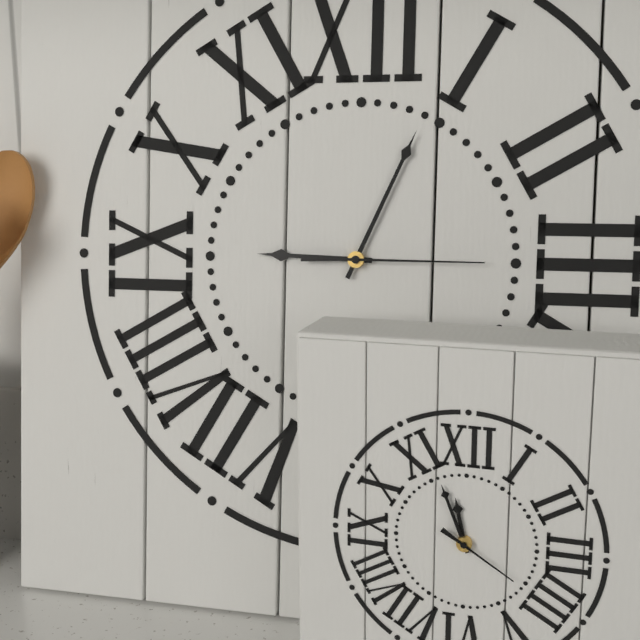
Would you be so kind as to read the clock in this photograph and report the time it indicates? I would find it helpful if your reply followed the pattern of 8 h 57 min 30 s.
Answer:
9 h 04 min 15 s
